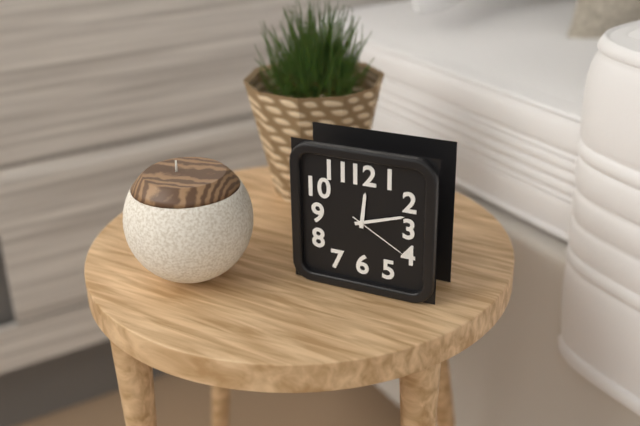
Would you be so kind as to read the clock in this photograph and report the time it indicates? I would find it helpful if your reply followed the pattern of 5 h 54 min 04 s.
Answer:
12 h 12 min 20 s
